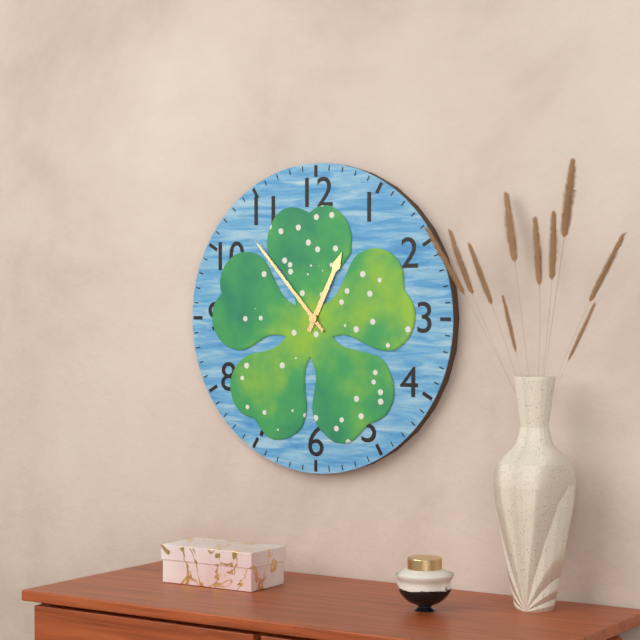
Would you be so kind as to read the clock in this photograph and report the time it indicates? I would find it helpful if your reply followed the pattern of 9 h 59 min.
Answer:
12 h 53 min
